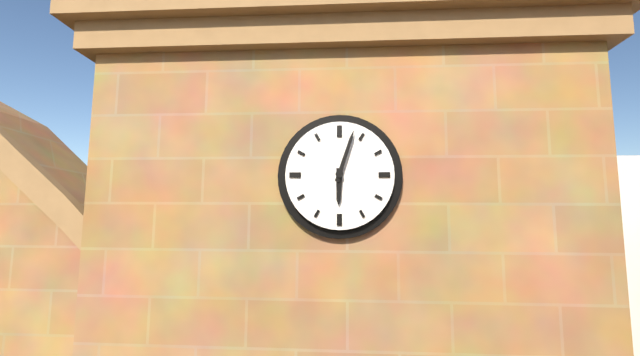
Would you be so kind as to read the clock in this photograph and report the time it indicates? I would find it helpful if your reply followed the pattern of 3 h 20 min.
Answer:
6 h 03 min
